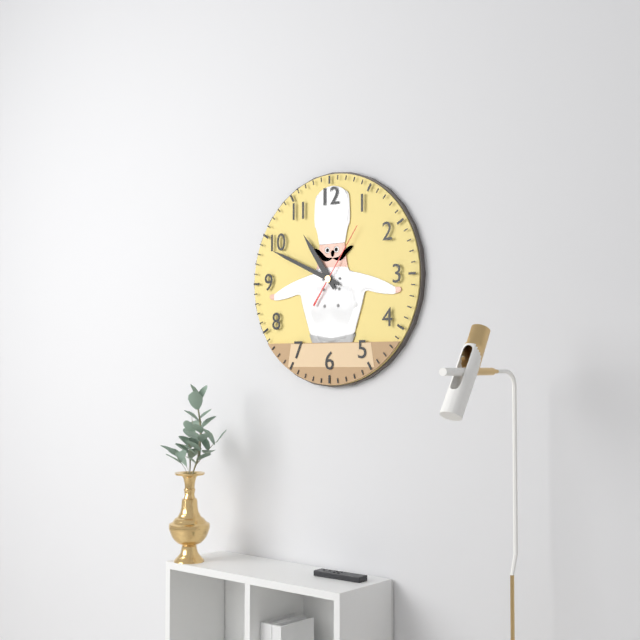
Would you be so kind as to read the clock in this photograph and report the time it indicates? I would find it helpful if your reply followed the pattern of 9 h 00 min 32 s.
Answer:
10 h 49 min 06 s
